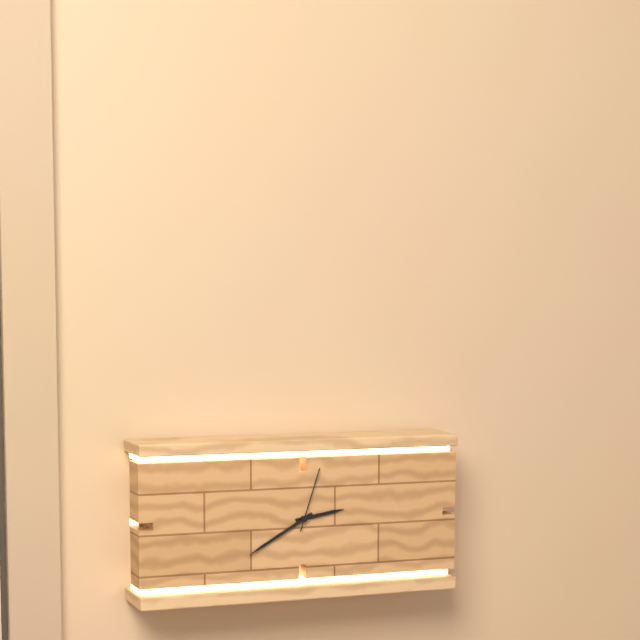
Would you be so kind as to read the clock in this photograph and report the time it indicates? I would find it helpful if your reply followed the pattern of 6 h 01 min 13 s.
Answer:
2 h 40 min 03 s
